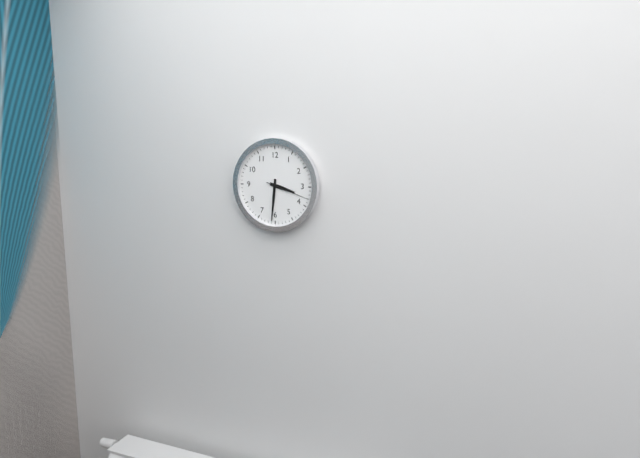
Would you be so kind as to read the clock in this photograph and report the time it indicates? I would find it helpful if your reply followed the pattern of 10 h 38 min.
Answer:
3 h 31 min
